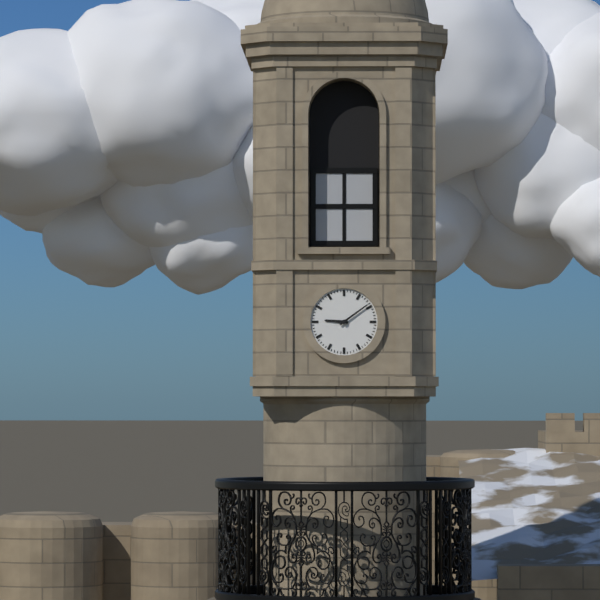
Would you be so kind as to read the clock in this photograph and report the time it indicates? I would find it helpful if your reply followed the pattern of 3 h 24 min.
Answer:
9 h 09 min
